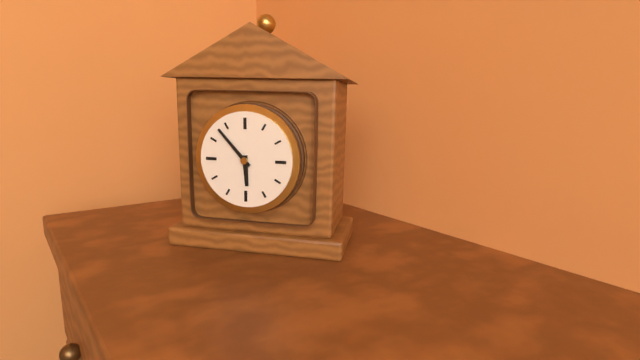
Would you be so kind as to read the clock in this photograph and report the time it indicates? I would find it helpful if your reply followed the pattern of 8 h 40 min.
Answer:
5 h 53 min
